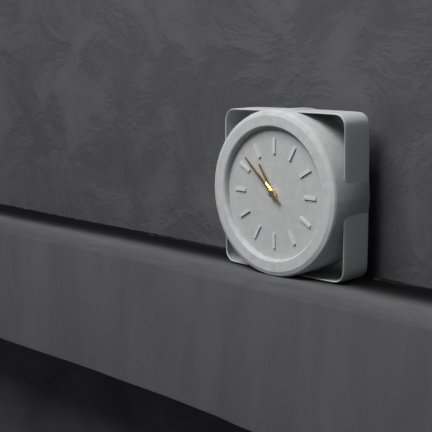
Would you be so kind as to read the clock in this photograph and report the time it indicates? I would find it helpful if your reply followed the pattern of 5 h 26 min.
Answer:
10 h 52 min
